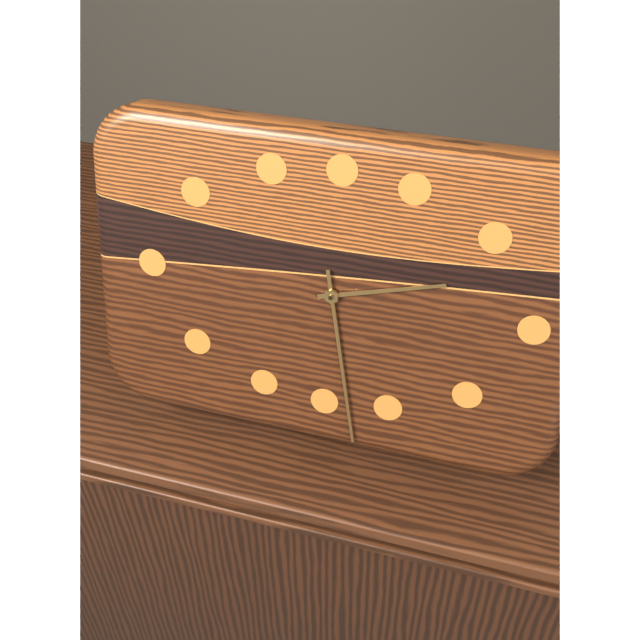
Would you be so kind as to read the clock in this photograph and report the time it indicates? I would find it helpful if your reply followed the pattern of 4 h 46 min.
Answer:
2 h 28 min
